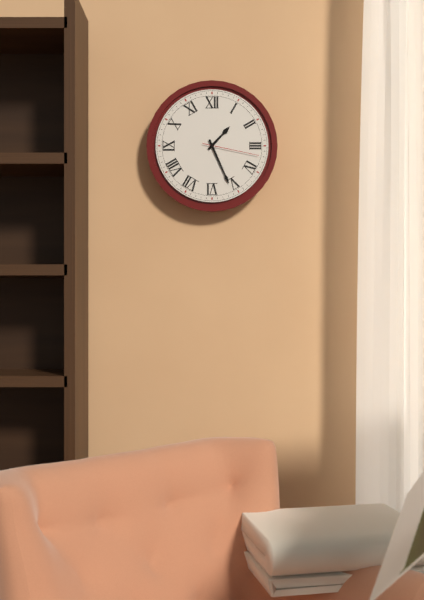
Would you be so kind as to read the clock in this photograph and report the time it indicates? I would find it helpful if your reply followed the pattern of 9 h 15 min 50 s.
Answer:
1 h 26 min 17 s
